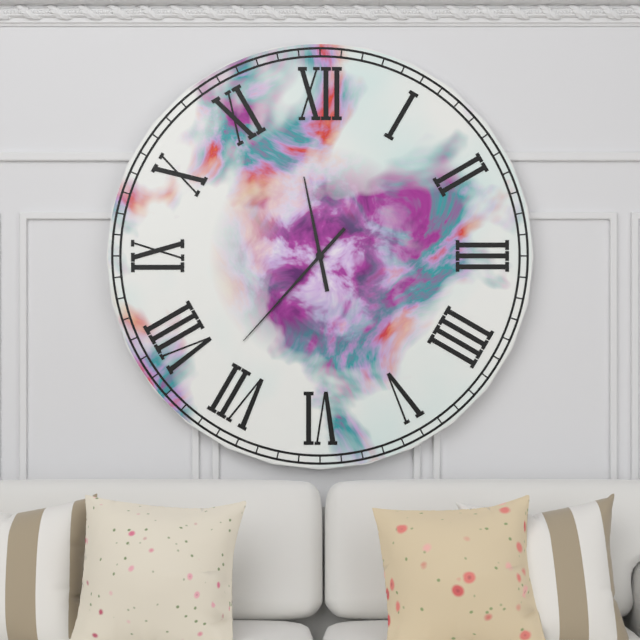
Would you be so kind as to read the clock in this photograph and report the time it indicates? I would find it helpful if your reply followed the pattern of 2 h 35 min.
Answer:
11 h 37 min
